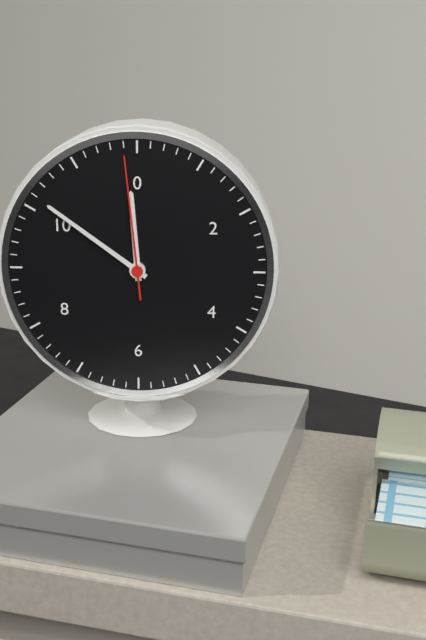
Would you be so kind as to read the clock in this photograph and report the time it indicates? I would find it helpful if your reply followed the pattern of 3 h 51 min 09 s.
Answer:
11 h 51 min 59 s
